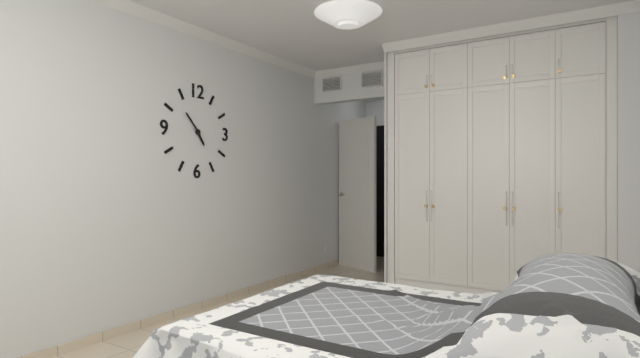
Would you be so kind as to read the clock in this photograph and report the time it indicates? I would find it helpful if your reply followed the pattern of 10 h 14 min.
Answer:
4 h 53 min
